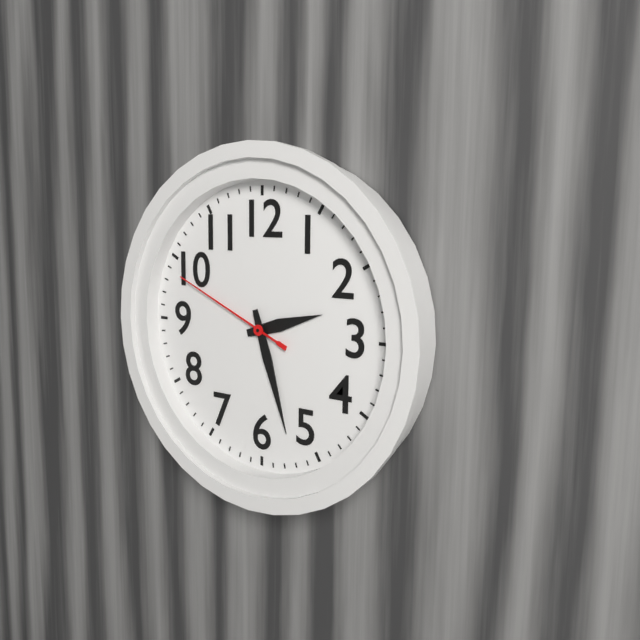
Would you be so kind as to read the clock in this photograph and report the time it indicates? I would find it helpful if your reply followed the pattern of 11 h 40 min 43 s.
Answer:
2 h 27 min 49 s
